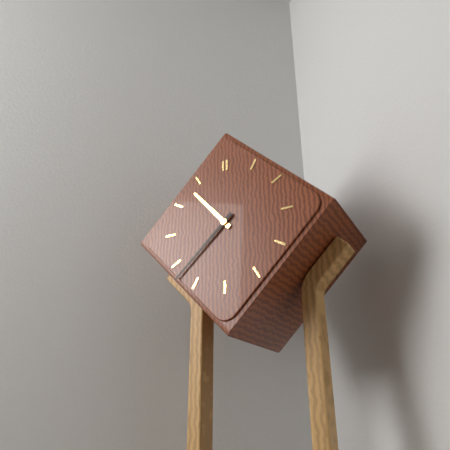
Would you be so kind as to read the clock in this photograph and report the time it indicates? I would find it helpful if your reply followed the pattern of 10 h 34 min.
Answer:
10 h 38 min
